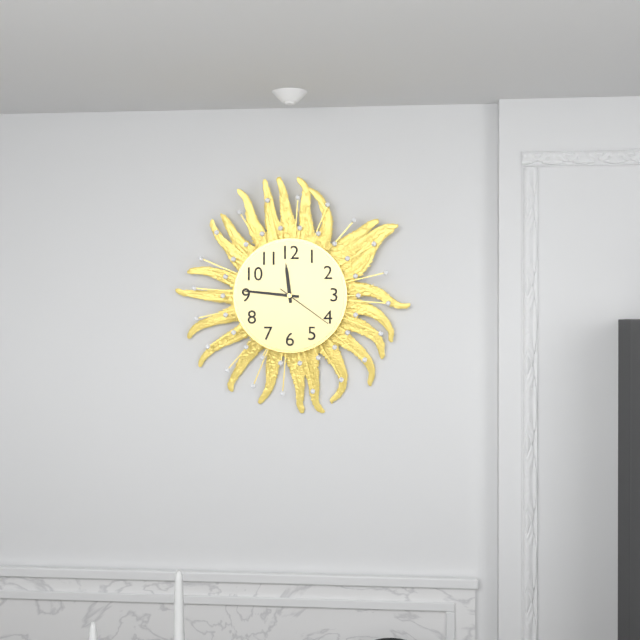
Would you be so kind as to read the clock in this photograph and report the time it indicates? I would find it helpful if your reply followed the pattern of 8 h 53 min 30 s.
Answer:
11 h 46 min 21 s
